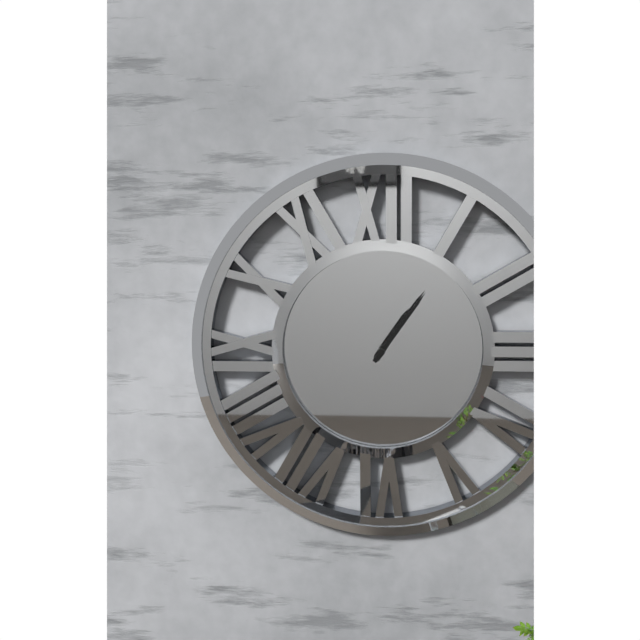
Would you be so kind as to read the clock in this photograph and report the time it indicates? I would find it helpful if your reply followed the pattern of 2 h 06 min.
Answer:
1 h 06 min
